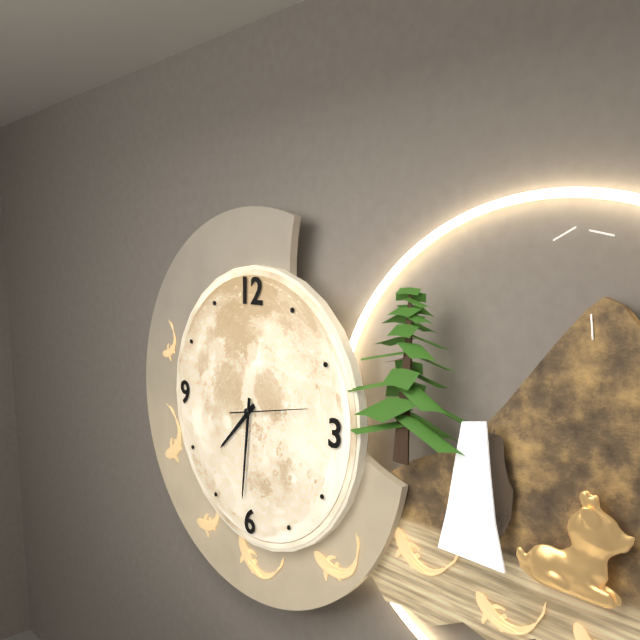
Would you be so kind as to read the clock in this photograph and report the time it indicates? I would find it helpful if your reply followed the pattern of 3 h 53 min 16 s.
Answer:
7 h 31 min 13 s
